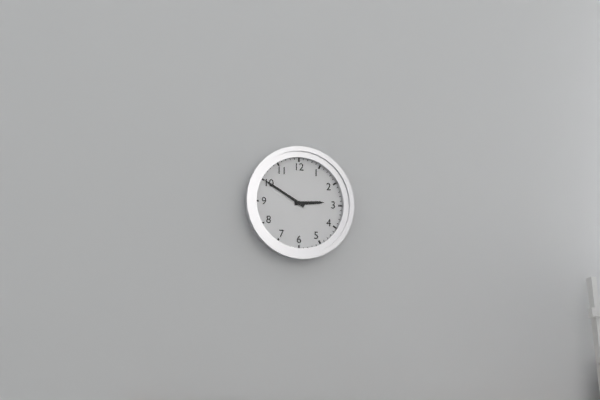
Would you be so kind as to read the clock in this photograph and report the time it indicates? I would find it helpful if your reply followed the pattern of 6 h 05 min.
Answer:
2 h 50 min
